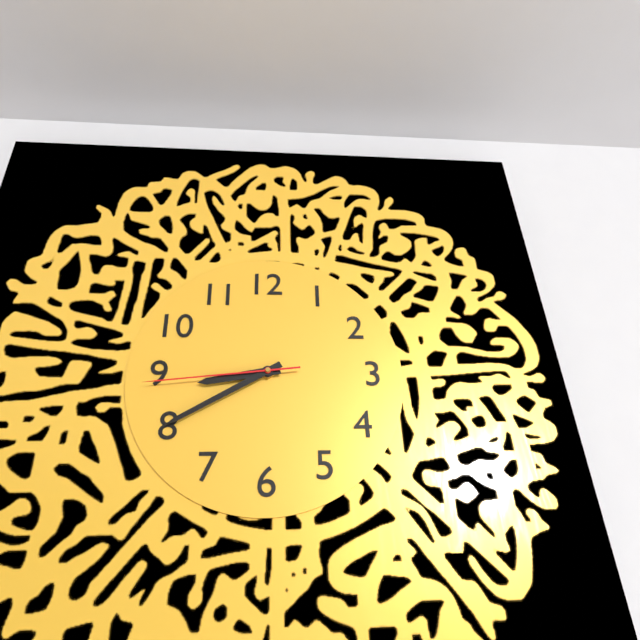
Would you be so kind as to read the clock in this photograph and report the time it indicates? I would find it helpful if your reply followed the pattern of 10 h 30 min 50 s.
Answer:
8 h 40 min 44 s
